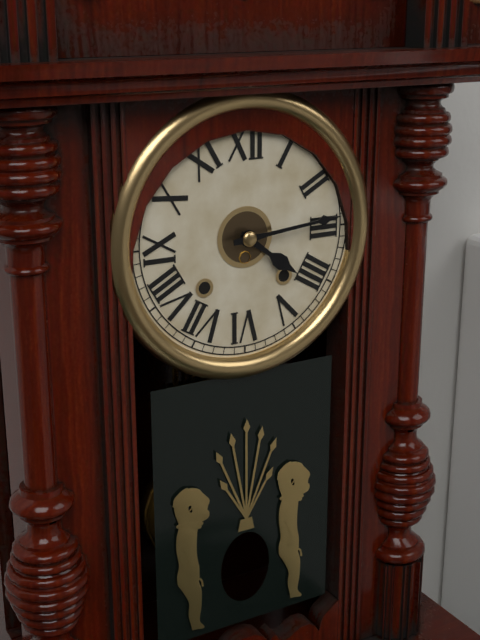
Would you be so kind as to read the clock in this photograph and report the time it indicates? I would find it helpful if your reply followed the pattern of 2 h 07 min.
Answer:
4 h 14 min
